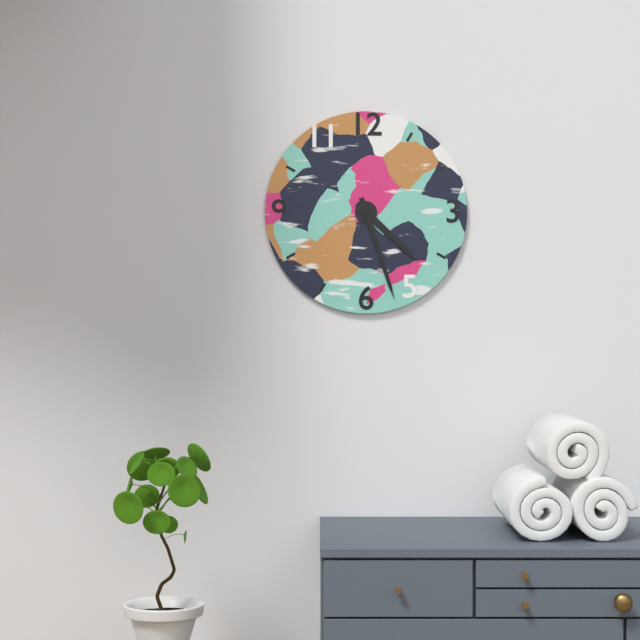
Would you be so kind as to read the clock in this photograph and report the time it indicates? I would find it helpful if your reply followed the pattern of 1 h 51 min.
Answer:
4 h 27 min
